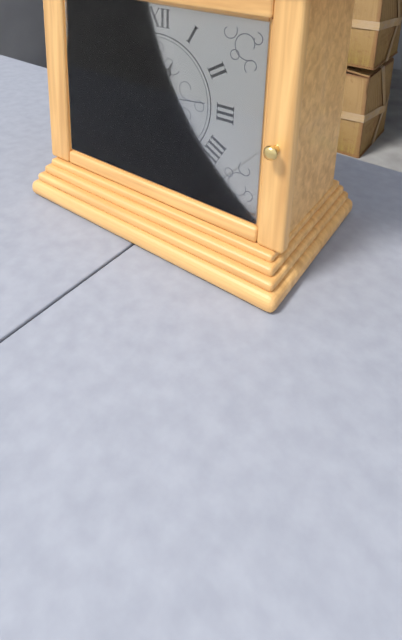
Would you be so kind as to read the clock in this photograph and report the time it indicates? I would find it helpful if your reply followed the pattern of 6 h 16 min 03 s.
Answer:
12 h 50 min 14 s
